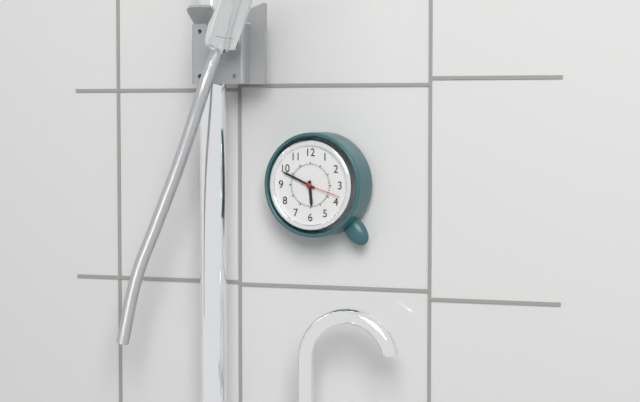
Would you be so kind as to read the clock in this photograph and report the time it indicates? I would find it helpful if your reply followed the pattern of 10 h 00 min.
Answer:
5 h 49 min
